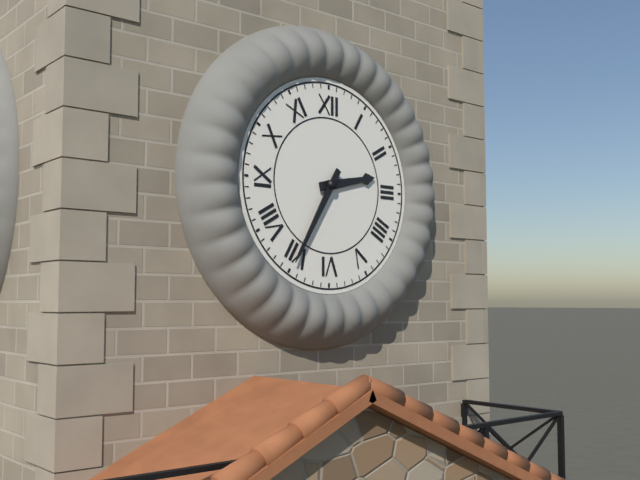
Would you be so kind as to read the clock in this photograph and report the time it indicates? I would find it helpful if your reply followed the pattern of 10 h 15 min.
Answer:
2 h 35 min
